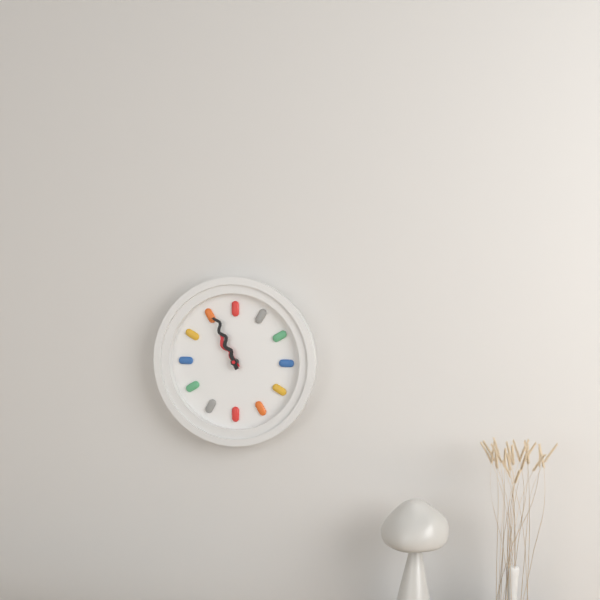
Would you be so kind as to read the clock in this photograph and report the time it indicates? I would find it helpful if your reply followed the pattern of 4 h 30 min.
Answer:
10 h 56 min
